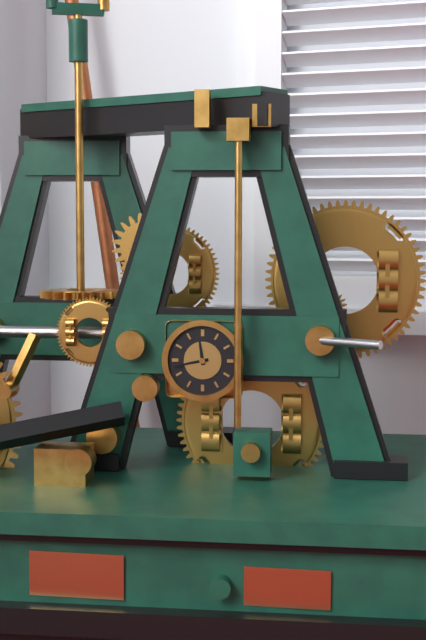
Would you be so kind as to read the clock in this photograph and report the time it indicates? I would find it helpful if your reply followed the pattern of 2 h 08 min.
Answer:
11 h 43 min
